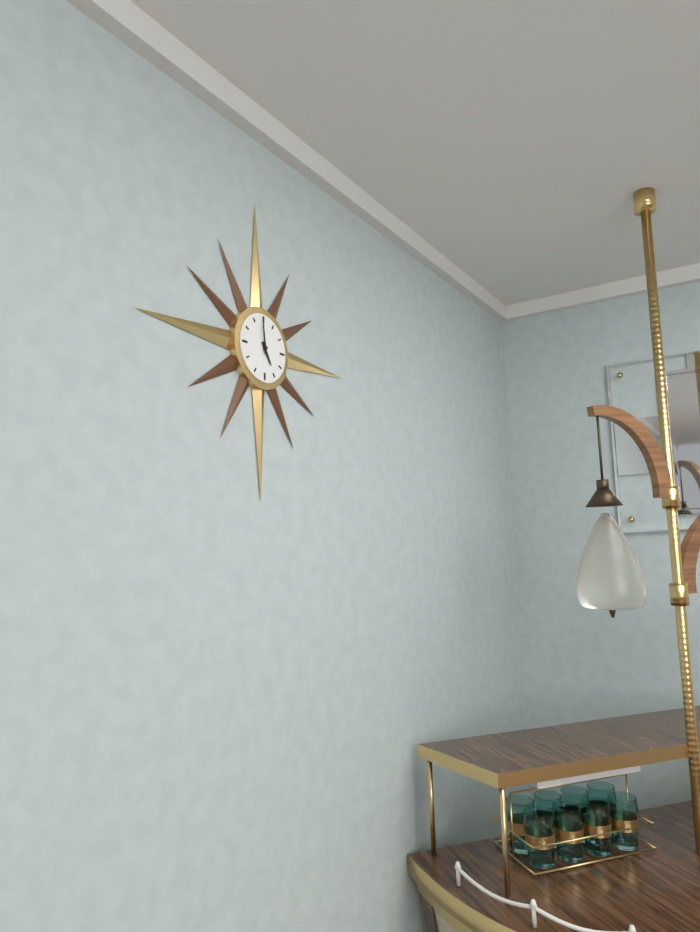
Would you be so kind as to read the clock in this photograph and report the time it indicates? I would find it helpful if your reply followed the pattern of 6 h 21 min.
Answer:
4 h 59 min
